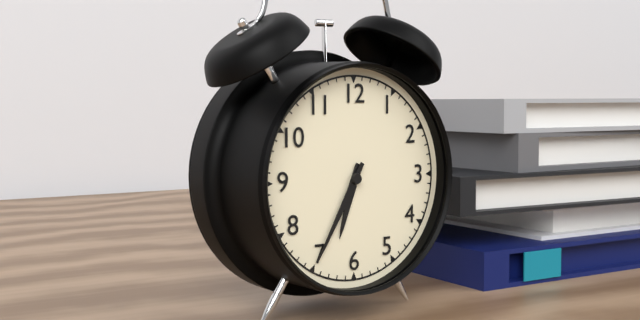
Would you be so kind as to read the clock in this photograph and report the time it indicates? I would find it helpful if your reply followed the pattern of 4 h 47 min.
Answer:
6 h 35 min
